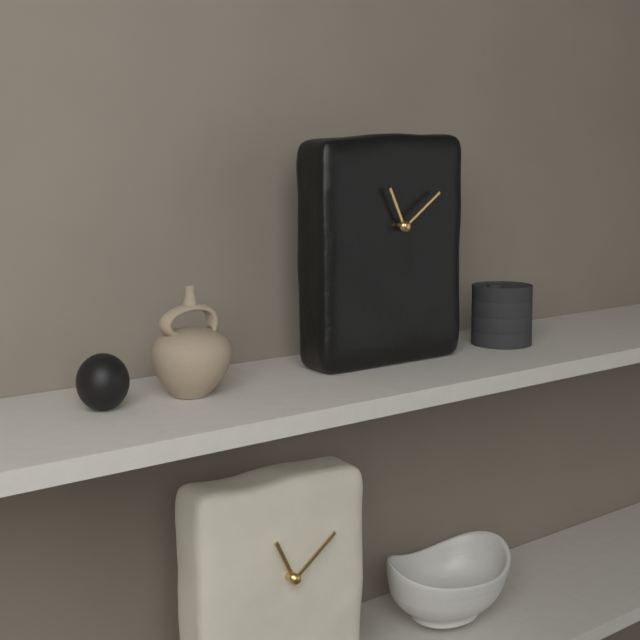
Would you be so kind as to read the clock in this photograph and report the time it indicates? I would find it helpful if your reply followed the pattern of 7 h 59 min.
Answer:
11 h 09 min
